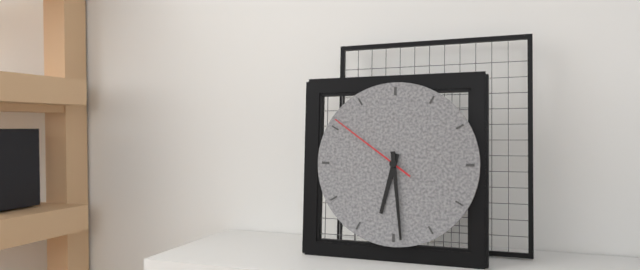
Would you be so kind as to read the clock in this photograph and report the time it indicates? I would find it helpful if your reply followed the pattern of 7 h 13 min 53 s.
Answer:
6 h 29 min 51 s
